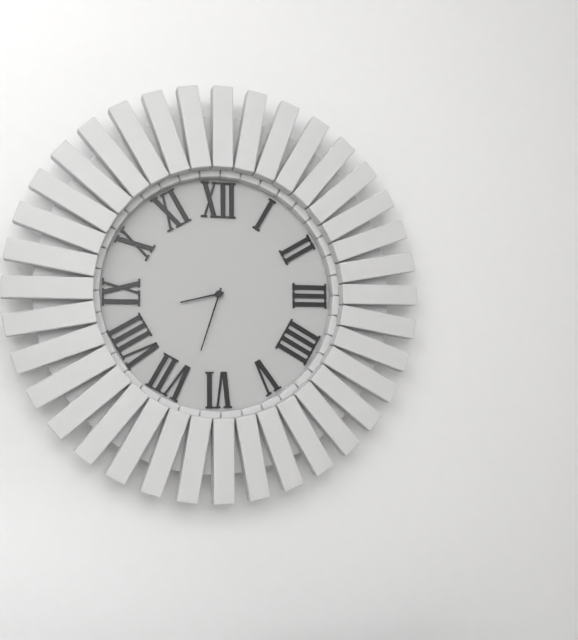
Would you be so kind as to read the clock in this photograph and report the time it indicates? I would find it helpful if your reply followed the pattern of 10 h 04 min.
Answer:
8 h 33 min
